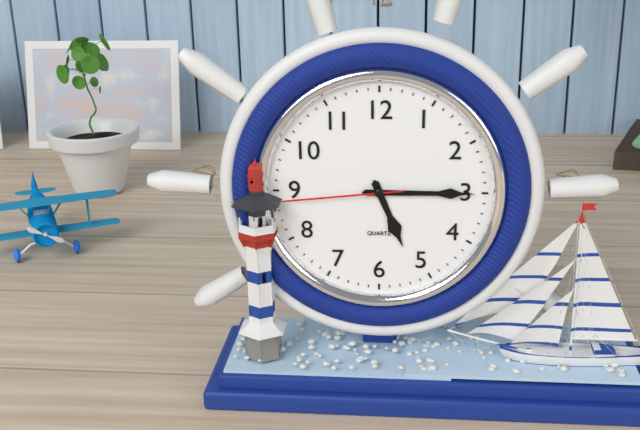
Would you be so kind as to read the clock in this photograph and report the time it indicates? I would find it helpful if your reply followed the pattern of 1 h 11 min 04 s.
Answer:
5 h 15 min 44 s
